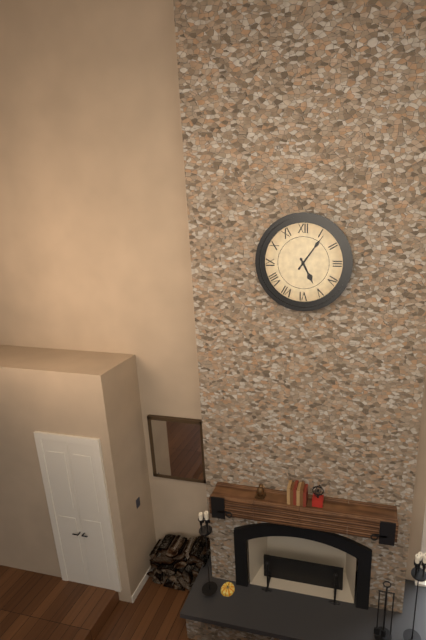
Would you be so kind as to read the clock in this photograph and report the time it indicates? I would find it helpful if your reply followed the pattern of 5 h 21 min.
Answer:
5 h 06 min
